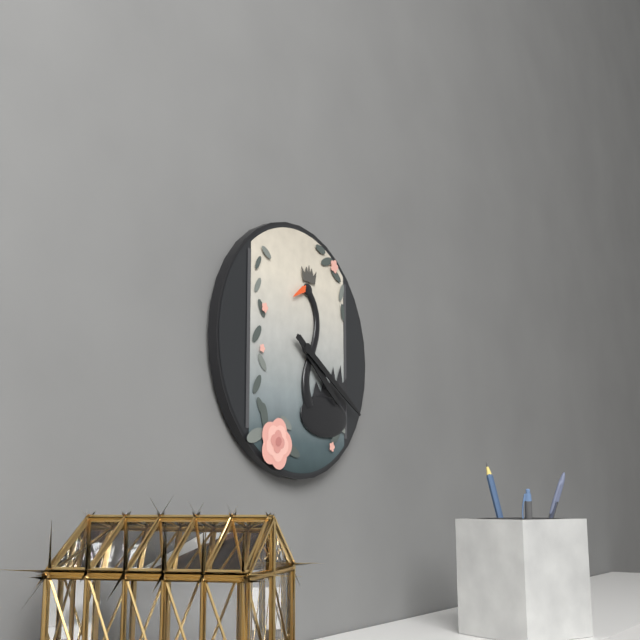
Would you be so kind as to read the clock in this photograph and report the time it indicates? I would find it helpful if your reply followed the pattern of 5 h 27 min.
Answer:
4 h 20 min
